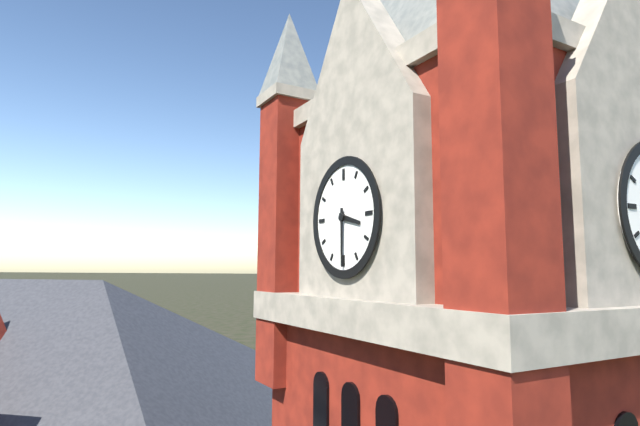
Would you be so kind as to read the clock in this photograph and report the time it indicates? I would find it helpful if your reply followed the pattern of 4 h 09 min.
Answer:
3 h 30 min
